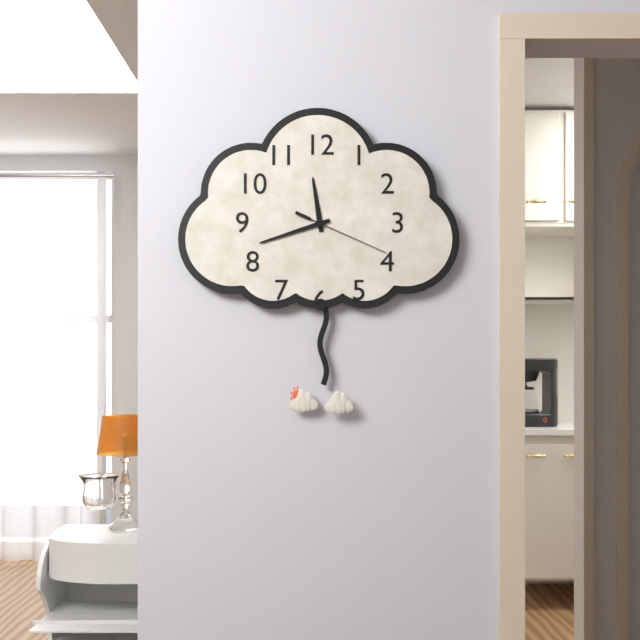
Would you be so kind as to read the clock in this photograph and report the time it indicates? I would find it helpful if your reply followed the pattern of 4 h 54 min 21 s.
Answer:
11 h 42 min 19 s
